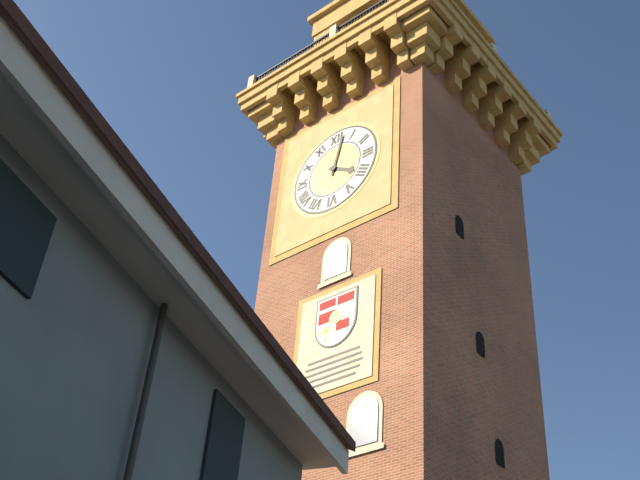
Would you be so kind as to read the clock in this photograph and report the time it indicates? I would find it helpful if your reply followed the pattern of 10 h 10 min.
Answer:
4 h 02 min
